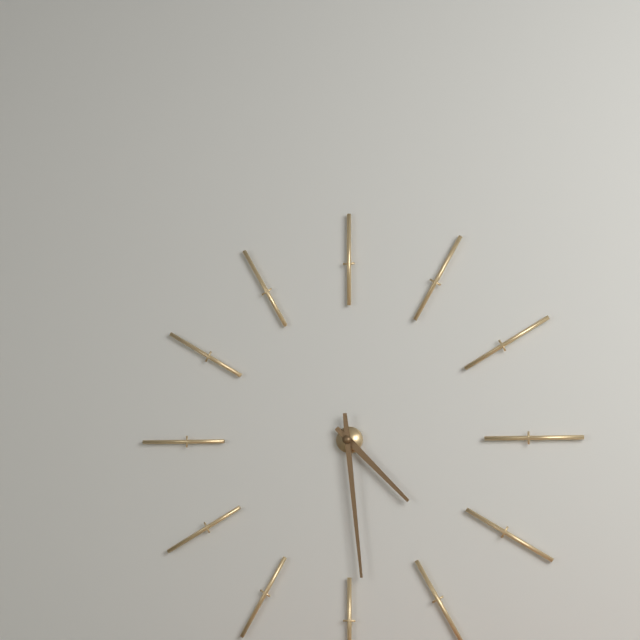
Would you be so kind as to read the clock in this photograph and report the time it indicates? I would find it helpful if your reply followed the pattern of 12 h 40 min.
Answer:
4 h 29 min
